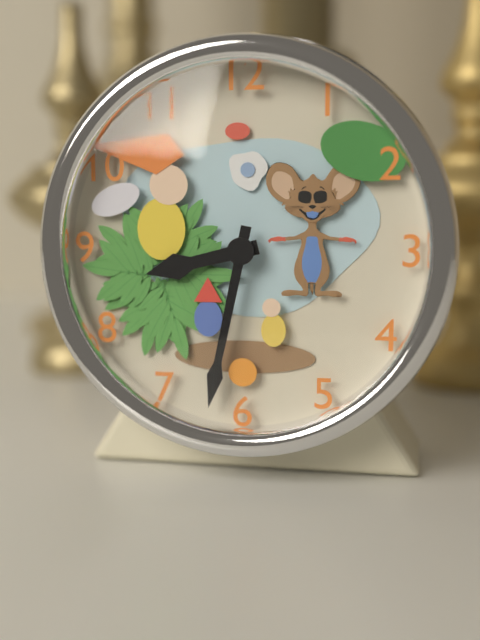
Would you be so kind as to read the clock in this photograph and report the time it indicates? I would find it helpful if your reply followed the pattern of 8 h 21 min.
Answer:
8 h 32 min
